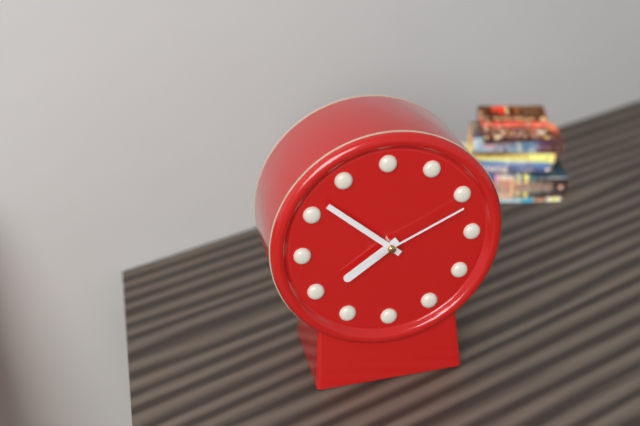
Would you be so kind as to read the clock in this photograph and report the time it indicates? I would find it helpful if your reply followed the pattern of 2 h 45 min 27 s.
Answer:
7 h 52 min 11 s
